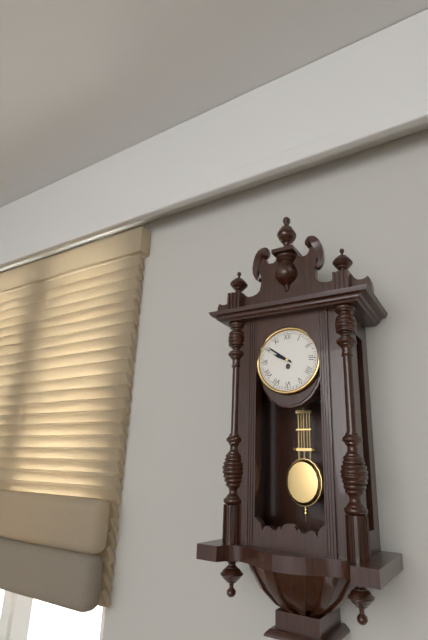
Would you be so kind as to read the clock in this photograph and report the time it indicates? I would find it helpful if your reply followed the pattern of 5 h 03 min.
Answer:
9 h 51 min
